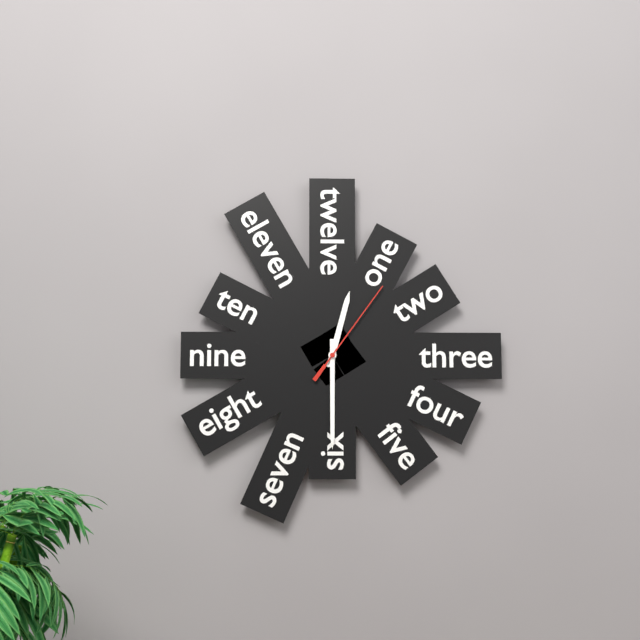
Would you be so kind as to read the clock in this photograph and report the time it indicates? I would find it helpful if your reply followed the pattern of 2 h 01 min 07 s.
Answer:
12 h 30 min 06 s
